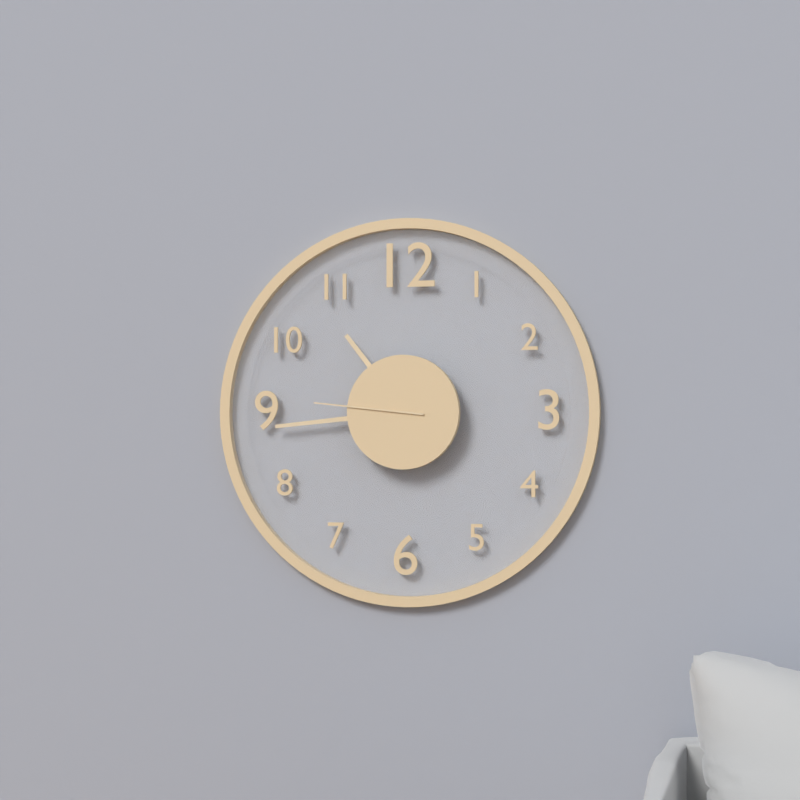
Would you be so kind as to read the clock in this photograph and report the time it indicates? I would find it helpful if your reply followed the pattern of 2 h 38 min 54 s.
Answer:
10 h 44 min 46 s
